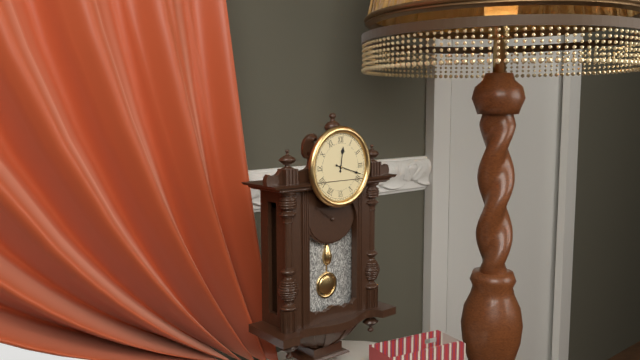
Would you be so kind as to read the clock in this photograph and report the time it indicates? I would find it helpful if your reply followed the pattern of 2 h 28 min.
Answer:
12 h 18 min
